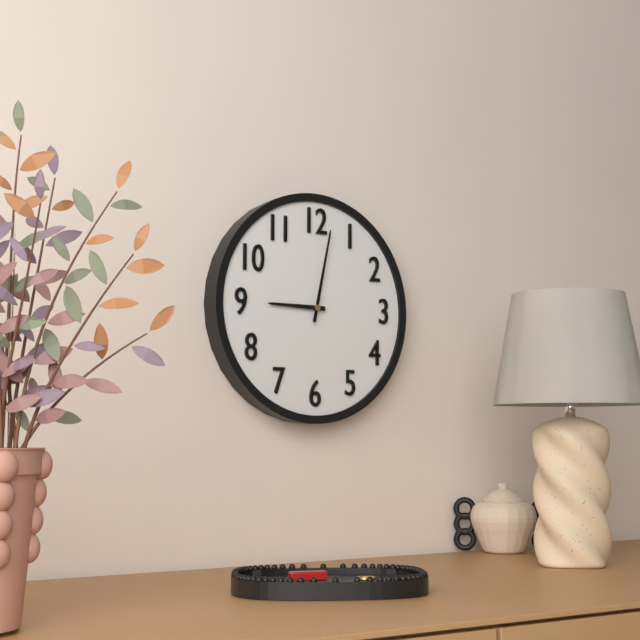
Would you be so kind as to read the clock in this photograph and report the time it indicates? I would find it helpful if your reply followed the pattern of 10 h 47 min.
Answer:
9 h 02 min
